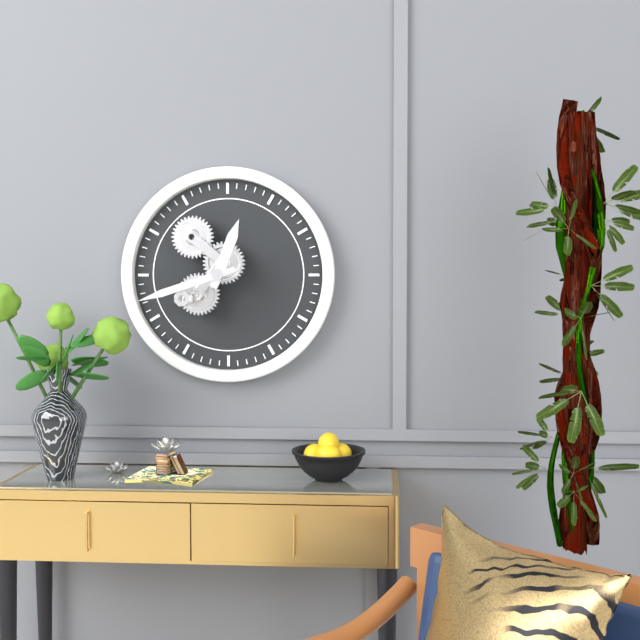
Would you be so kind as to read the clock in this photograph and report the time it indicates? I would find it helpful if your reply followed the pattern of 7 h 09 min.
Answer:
12 h 42 min
